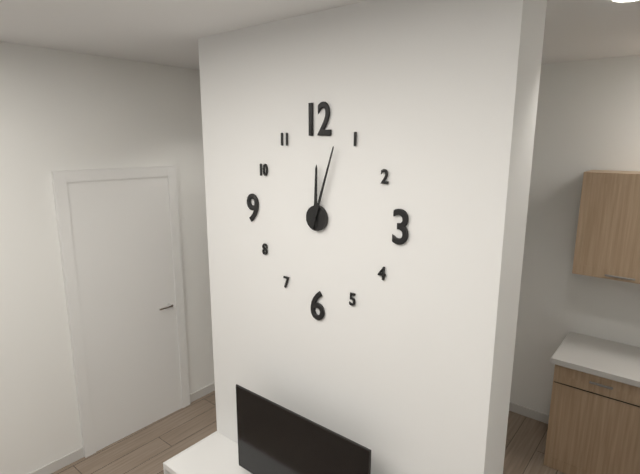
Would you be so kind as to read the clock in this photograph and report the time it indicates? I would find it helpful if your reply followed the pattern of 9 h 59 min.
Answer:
12 h 03 min
